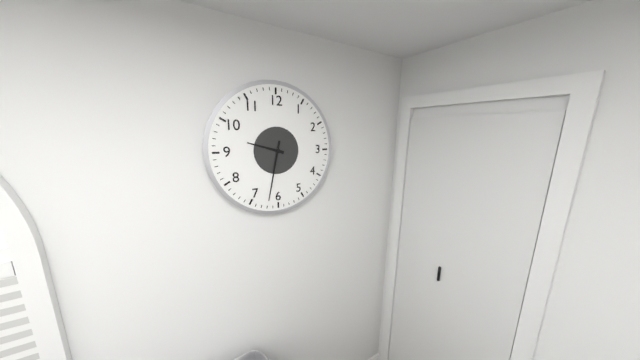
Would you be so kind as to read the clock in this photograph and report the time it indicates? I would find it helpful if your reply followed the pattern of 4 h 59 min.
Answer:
9 h 32 min
